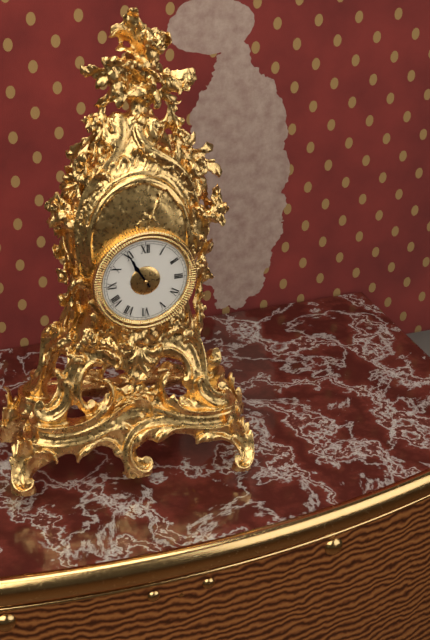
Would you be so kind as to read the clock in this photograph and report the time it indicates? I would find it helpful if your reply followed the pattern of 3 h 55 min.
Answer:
10 h 55 min
